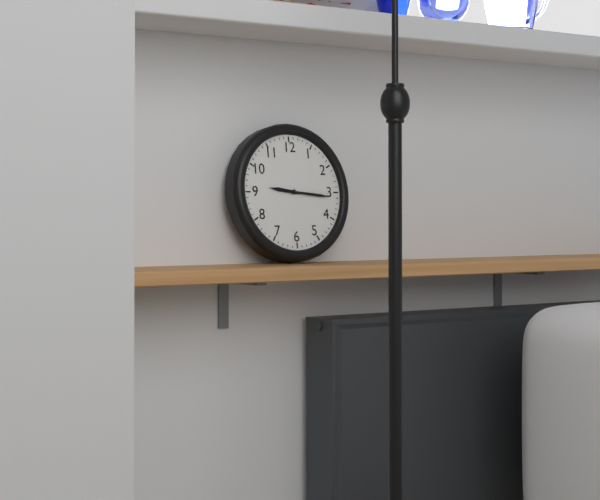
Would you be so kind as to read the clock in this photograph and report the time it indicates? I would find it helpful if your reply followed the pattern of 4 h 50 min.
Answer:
9 h 16 min
